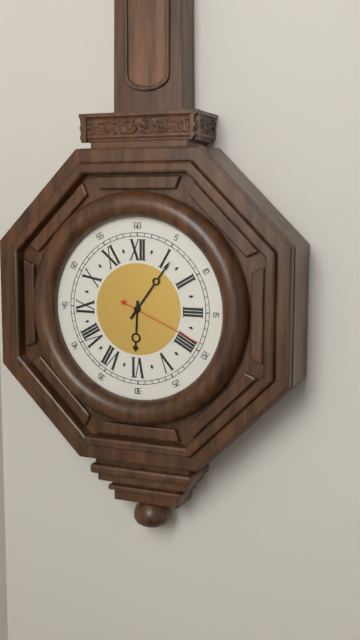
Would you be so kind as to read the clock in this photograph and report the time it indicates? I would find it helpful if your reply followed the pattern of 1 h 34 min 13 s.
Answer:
6 h 06 min 19 s
